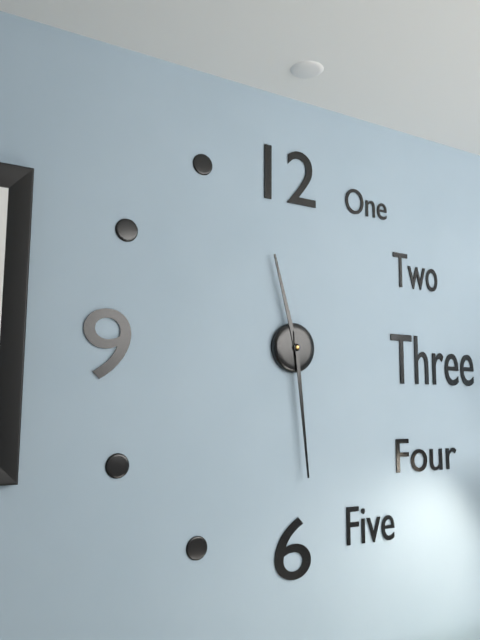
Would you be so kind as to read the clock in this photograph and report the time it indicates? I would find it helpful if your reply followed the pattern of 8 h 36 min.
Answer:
11 h 29 min
